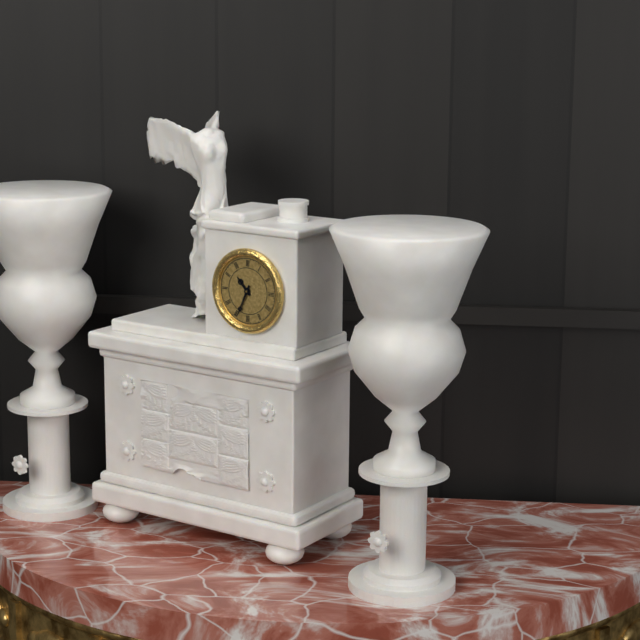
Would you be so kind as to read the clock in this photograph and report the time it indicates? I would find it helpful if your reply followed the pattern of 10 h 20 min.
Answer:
10 h 34 min
